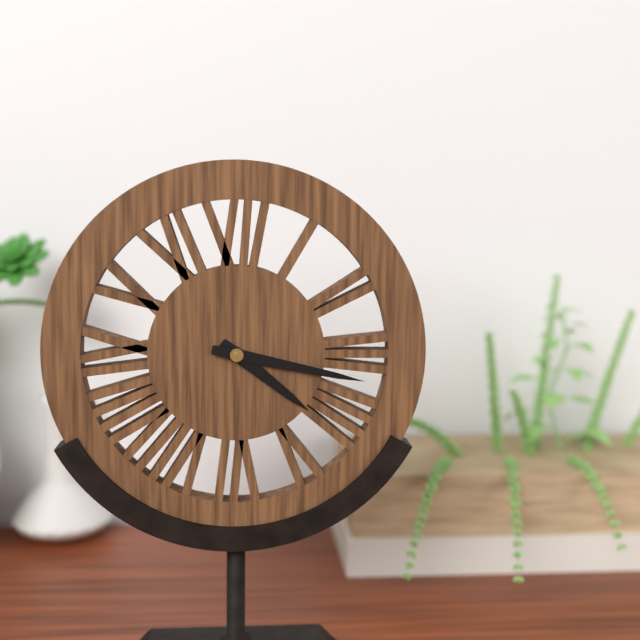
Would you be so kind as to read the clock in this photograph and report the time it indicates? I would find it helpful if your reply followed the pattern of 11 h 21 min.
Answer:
4 h 17 min
